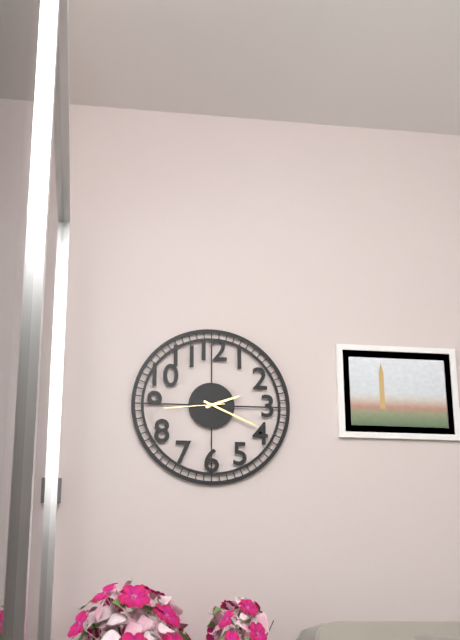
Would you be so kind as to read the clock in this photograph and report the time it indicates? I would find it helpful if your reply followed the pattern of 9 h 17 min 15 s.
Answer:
2 h 19 min 44 s
